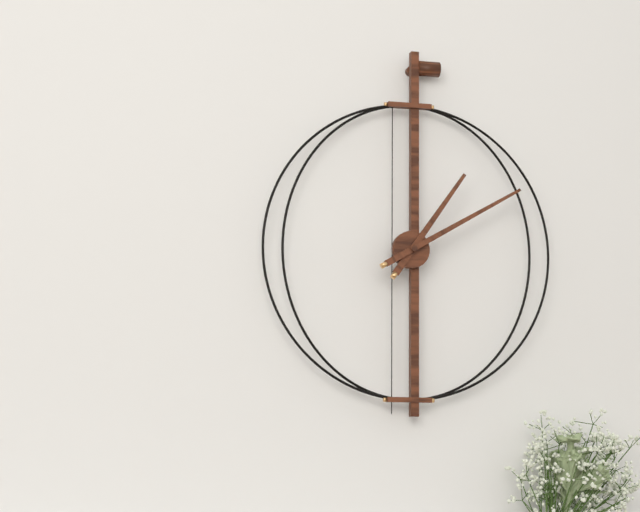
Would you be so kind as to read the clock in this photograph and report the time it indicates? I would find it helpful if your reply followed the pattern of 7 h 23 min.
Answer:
1 h 10 min
